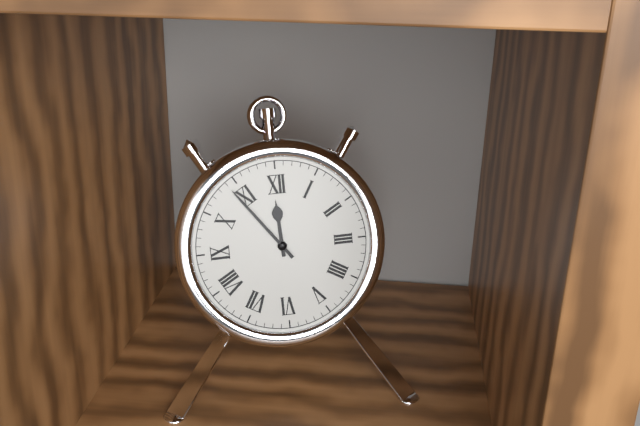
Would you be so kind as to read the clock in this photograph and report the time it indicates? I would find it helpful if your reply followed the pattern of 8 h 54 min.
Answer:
11 h 54 min
